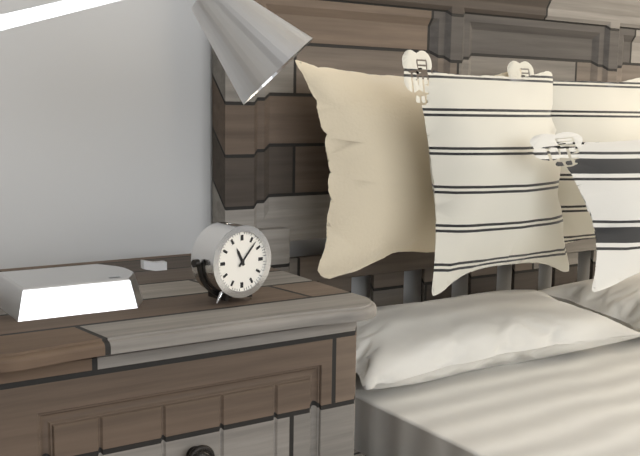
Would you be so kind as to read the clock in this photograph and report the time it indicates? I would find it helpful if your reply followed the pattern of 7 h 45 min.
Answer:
11 h 07 min
